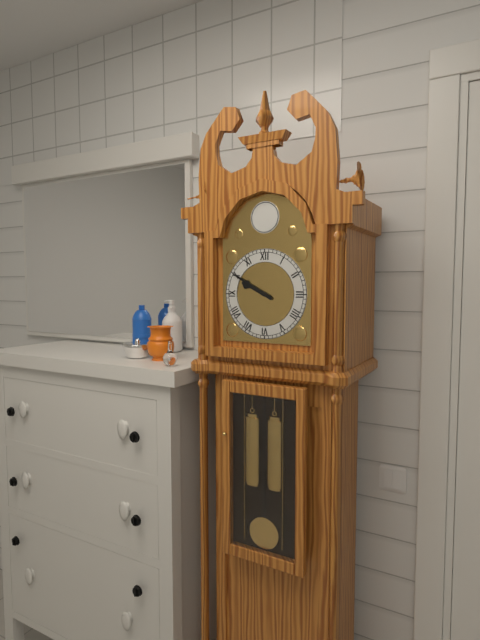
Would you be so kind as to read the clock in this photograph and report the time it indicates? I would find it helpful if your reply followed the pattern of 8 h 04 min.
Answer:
9 h 50 min
